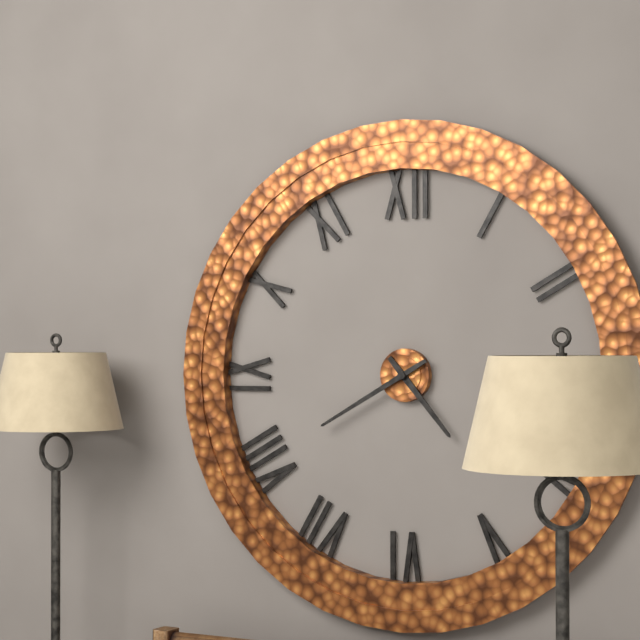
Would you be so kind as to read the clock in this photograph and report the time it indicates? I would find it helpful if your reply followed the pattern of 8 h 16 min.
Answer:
4 h 40 min
